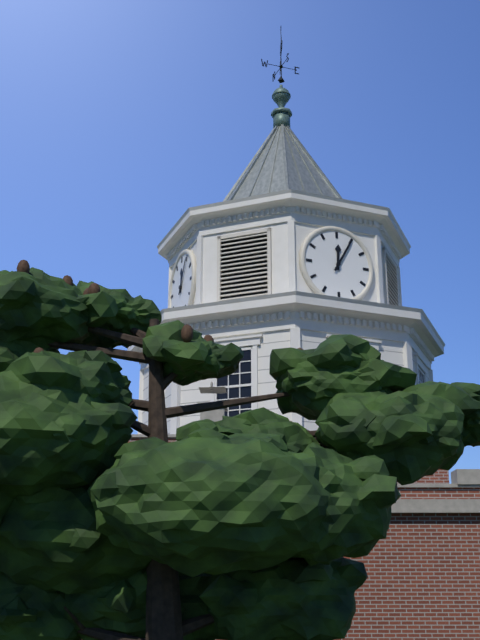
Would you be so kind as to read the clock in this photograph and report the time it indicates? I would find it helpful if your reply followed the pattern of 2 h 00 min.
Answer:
12 h 05 min
